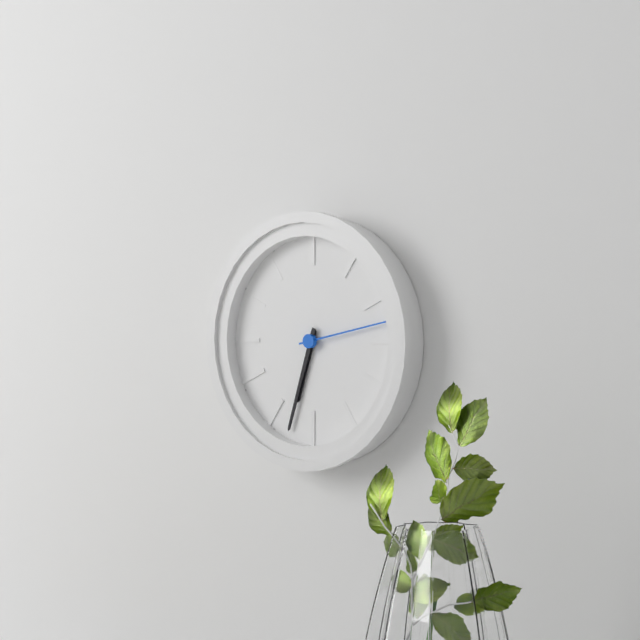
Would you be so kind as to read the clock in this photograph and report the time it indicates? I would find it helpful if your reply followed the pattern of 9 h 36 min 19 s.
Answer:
6 h 33 min 13 s
